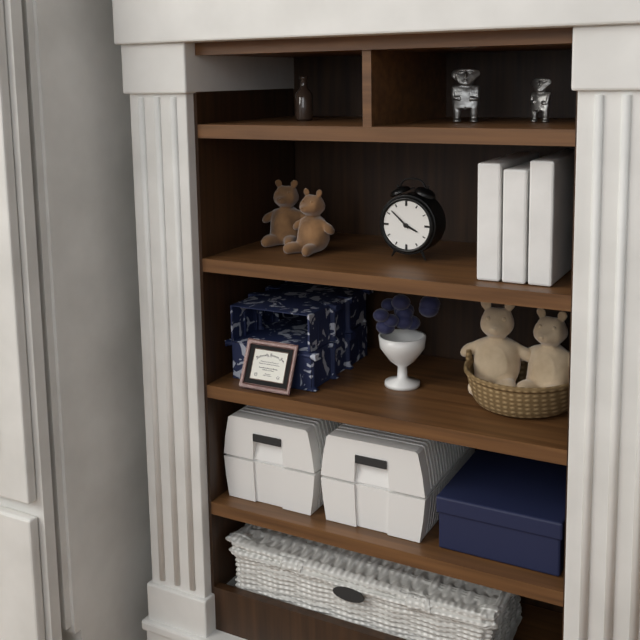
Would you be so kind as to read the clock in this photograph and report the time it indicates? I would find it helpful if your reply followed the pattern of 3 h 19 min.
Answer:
3 h 52 min
